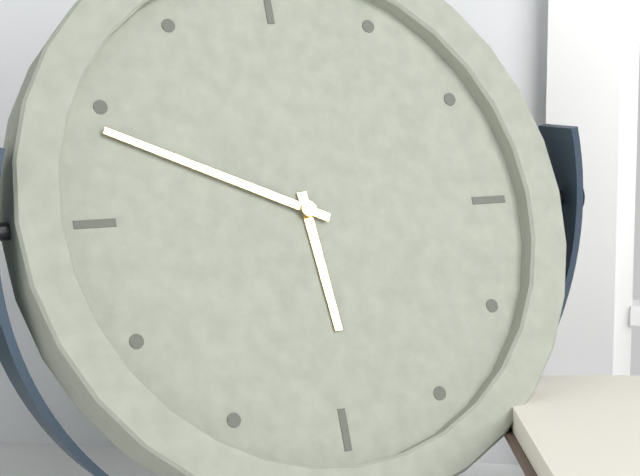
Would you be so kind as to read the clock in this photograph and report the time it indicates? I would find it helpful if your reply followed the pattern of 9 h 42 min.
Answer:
5 h 49 min
